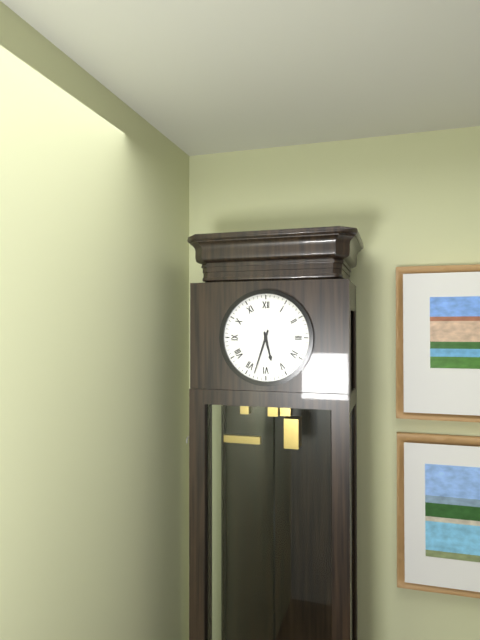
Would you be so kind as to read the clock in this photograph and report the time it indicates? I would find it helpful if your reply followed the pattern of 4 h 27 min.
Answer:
5 h 33 min
